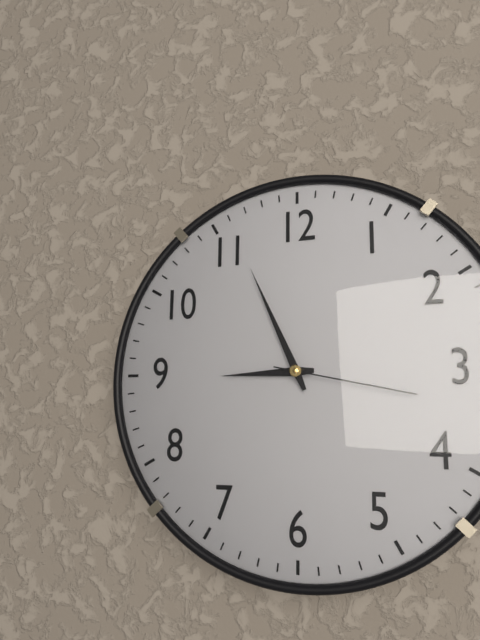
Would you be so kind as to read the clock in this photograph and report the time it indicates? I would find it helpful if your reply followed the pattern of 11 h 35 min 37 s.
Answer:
8 h 56 min 17 s
